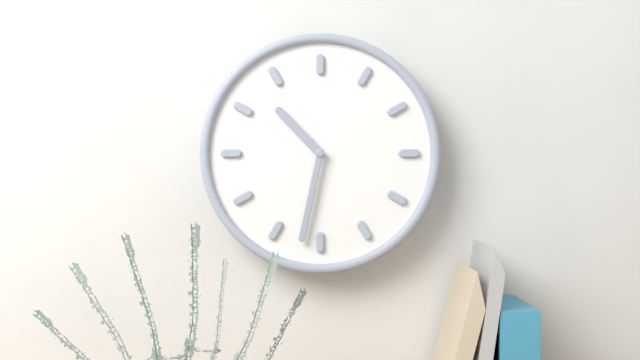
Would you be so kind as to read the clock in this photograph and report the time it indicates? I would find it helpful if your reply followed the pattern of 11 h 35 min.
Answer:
10 h 32 min
